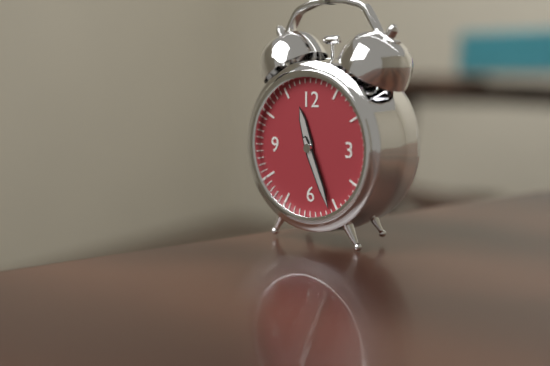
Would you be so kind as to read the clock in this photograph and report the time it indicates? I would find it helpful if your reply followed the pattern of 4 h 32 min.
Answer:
11 h 26 min
